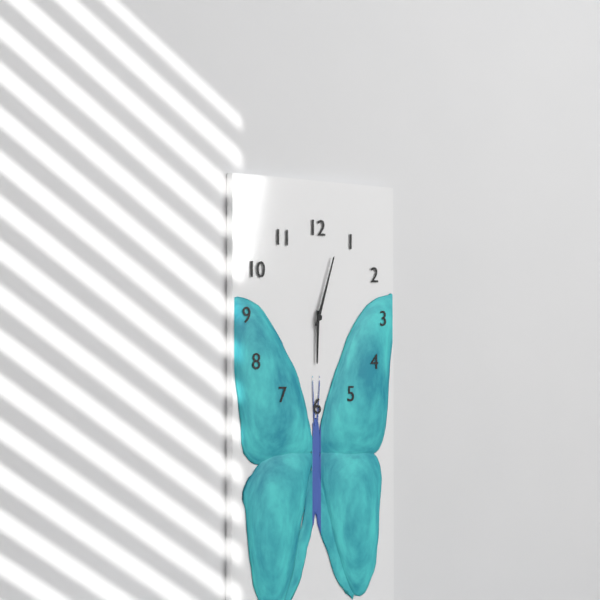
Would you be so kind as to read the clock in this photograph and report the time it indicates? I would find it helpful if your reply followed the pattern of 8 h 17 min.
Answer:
6 h 03 min
